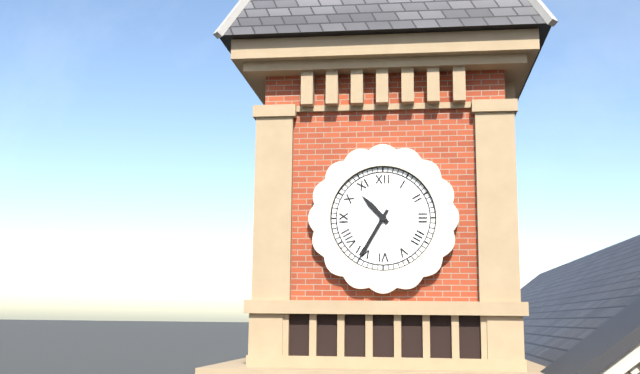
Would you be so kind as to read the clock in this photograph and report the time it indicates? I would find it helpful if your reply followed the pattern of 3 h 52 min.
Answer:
10 h 35 min
